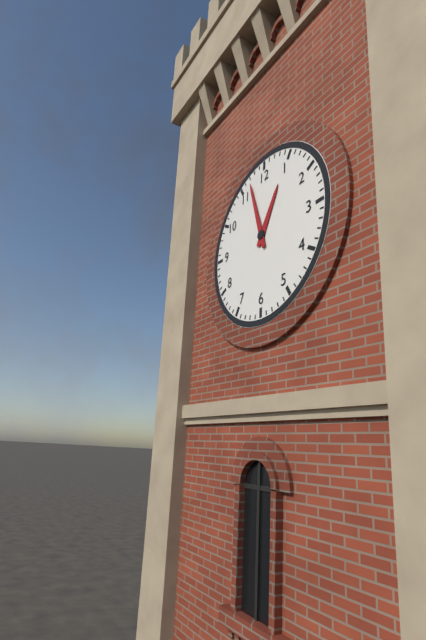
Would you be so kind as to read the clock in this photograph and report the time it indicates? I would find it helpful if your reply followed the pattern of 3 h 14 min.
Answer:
12 h 57 min
